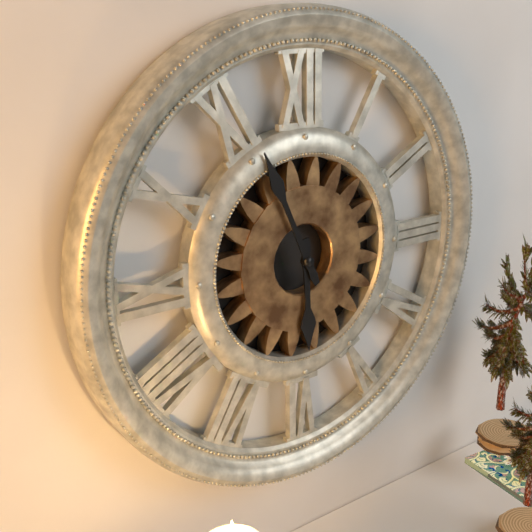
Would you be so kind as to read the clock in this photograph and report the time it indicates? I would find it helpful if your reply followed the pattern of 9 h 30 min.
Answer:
5 h 56 min
